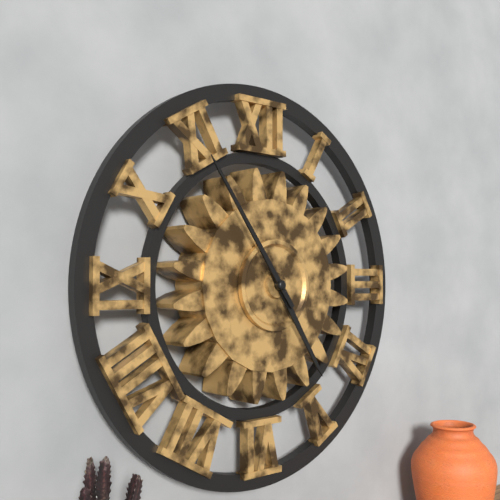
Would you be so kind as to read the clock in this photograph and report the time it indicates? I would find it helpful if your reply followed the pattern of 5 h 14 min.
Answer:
4 h 54 min
